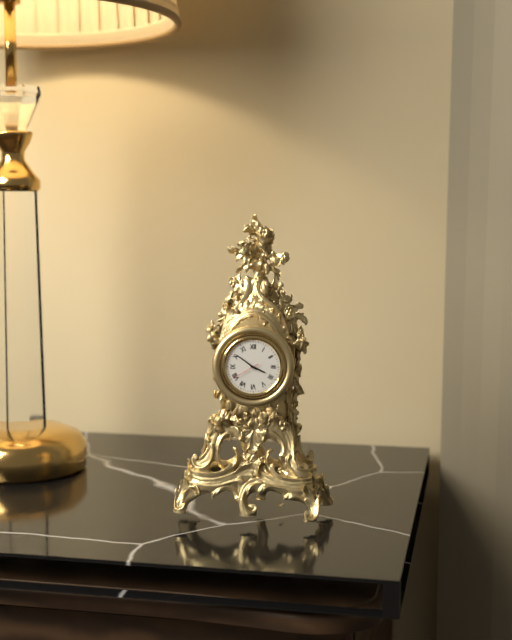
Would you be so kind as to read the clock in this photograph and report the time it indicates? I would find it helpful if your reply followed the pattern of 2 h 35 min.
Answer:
3 h 51 min
